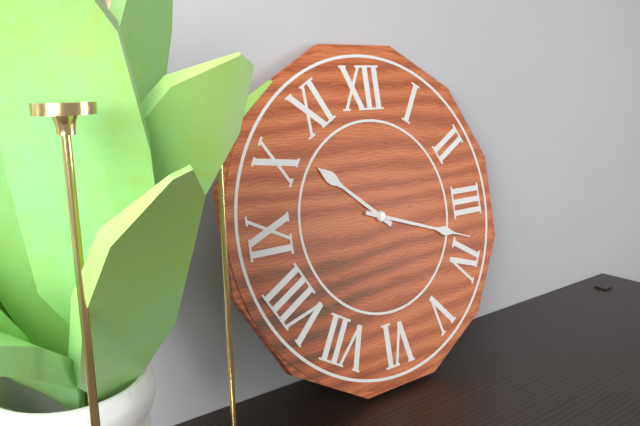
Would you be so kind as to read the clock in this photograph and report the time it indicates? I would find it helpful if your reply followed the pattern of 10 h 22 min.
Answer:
10 h 18 min
